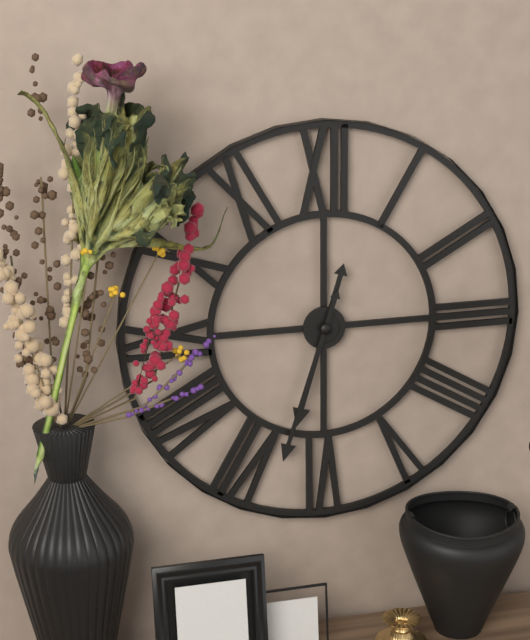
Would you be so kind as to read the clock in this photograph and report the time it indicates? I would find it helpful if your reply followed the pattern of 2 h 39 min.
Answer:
6 h 33 min
